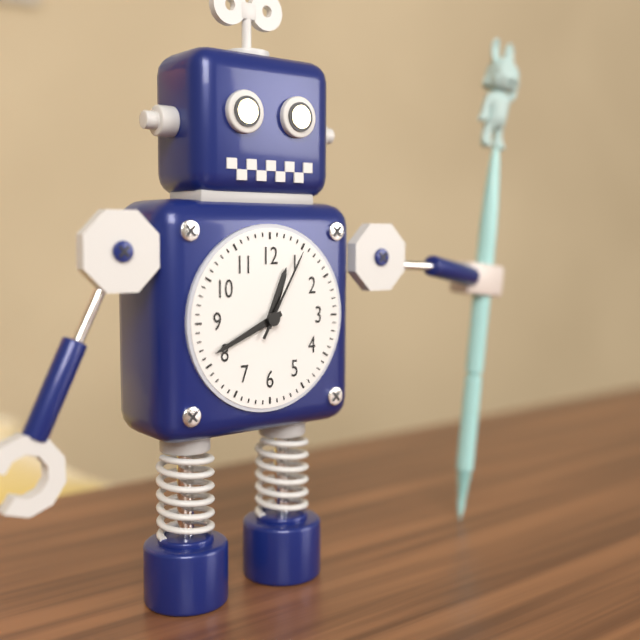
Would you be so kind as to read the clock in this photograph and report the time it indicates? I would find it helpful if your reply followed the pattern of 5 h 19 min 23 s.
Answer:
12 h 41 min 05 s
